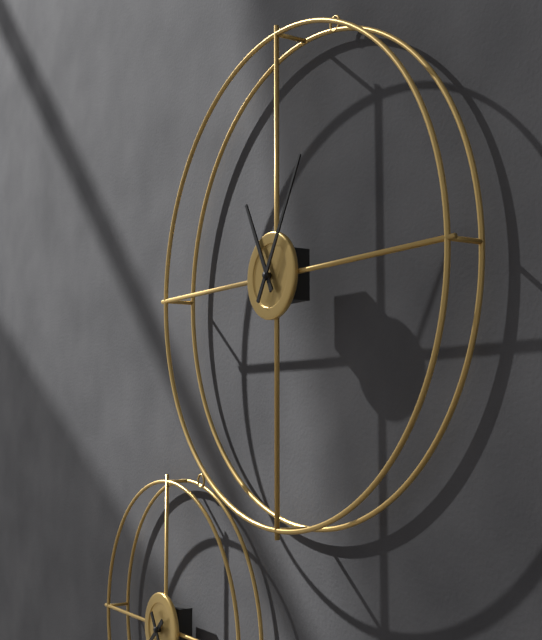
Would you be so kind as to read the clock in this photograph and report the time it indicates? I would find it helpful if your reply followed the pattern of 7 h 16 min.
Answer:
11 h 05 min
